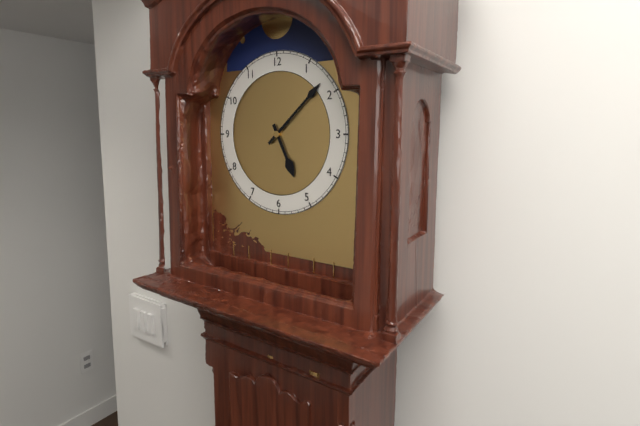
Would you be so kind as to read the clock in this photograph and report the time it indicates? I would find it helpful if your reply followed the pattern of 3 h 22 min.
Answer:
5 h 08 min
